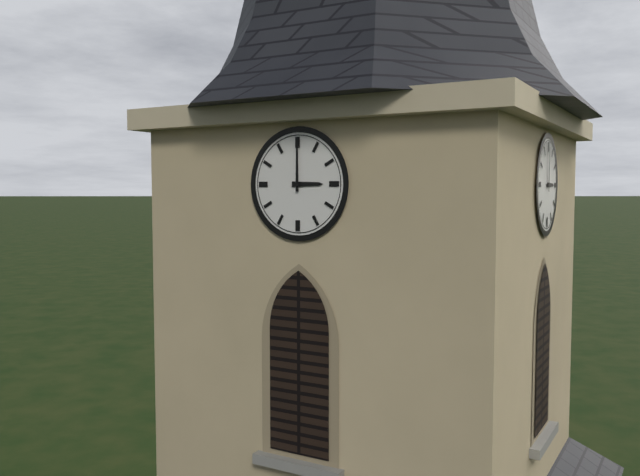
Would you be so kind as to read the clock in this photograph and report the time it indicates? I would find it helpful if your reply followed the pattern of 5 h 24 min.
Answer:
3 h 00 min
